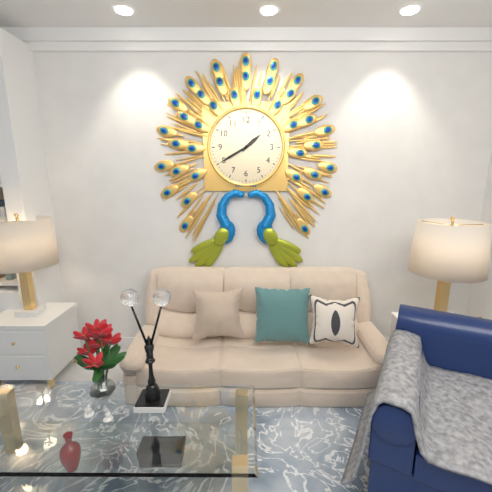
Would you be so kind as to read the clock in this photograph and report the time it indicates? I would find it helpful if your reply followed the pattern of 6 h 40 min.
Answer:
1 h 40 min
